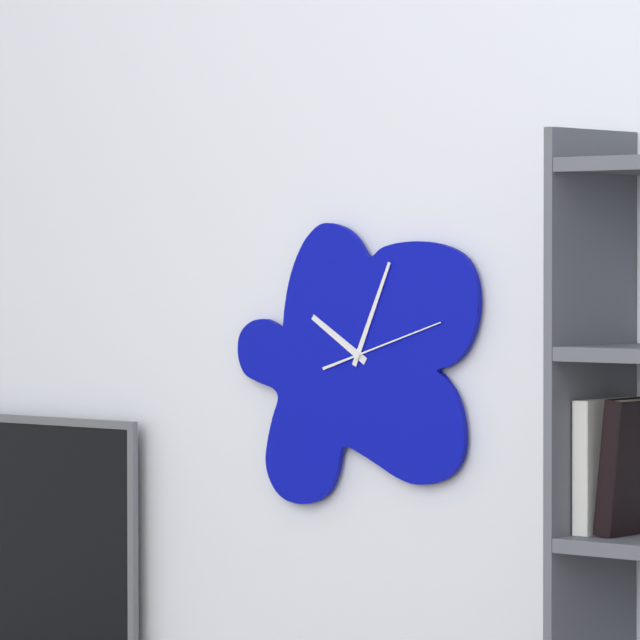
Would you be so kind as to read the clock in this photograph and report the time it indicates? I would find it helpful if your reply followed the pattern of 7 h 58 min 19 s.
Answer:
10 h 04 min 12 s
